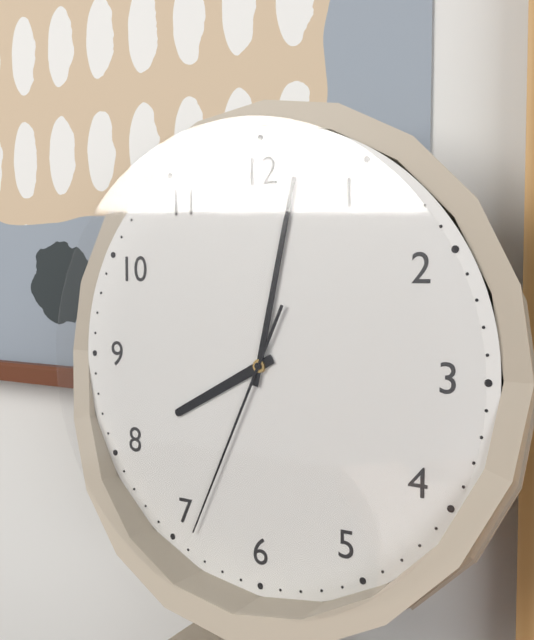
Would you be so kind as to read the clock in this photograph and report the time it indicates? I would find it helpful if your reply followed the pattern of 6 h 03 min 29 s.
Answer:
8 h 02 min 34 s
